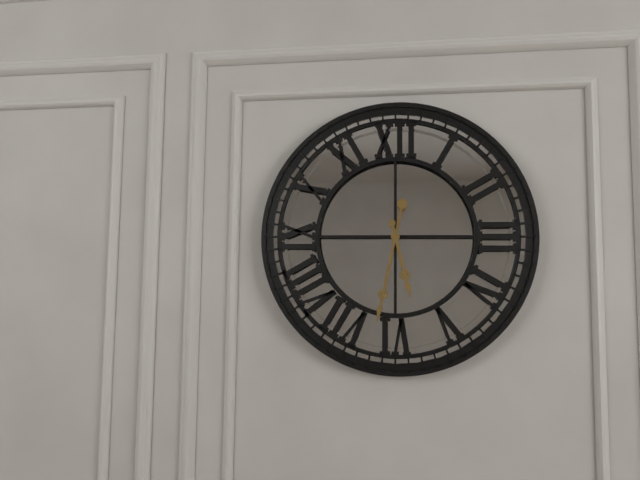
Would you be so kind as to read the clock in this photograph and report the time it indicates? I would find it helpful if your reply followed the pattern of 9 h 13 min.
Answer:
5 h 32 min
